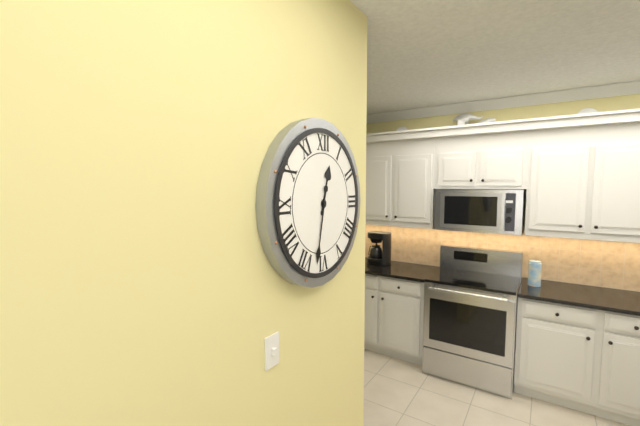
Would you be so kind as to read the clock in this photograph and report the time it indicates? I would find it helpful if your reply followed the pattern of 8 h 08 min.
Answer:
12 h 32 min
